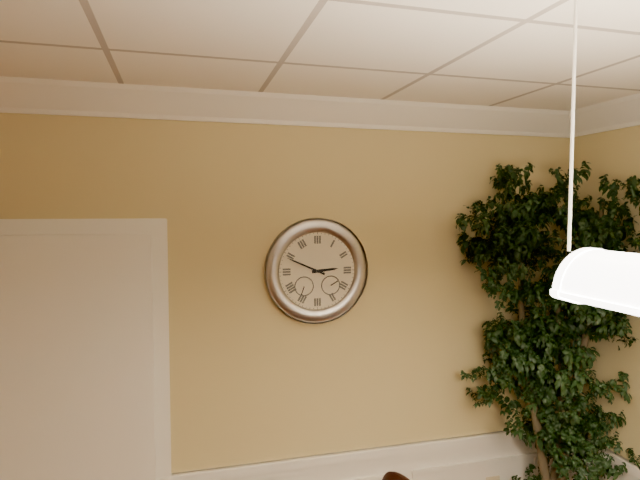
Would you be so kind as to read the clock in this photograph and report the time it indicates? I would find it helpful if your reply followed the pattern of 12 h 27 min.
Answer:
2 h 49 min
